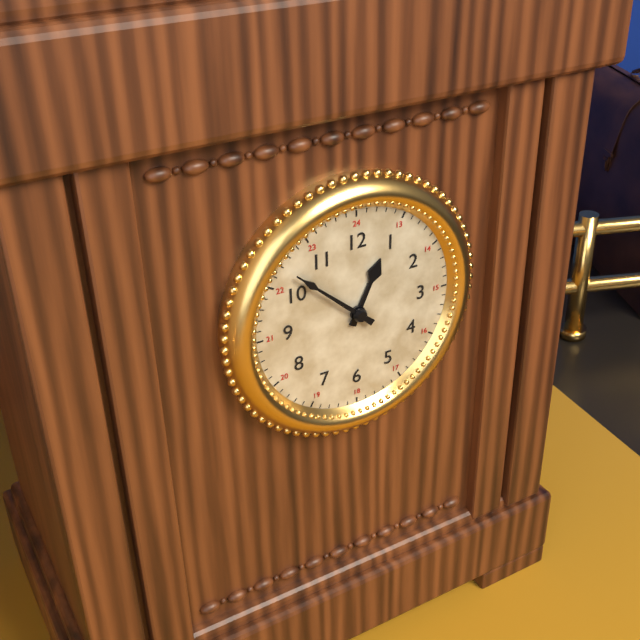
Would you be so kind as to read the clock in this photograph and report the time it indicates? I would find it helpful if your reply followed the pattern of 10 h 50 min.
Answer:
12 h 52 min
